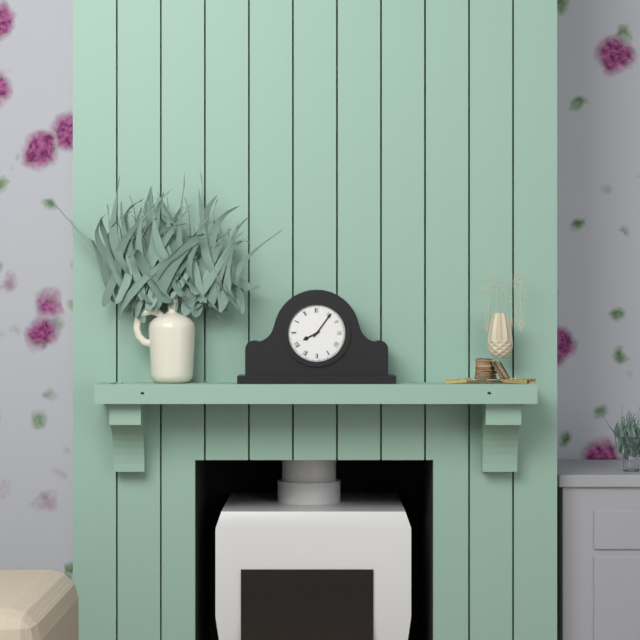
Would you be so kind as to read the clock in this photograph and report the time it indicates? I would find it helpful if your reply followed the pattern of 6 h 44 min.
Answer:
8 h 06 min
